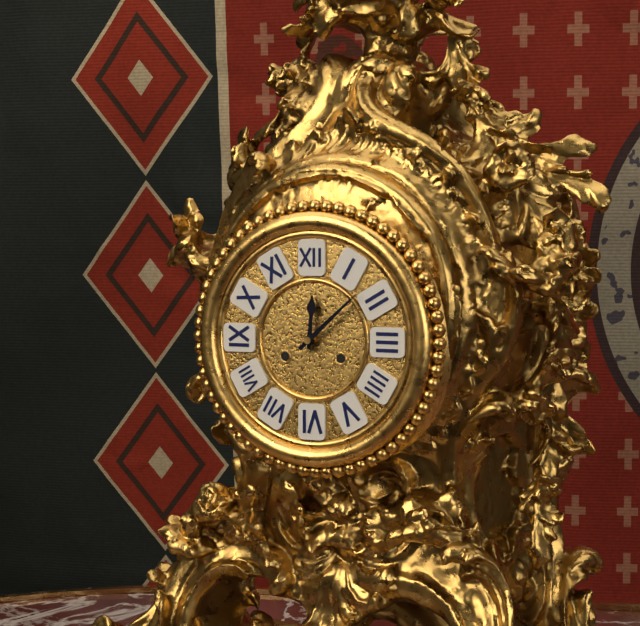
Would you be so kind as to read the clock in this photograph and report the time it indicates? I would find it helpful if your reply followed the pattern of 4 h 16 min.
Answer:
12 h 08 min
